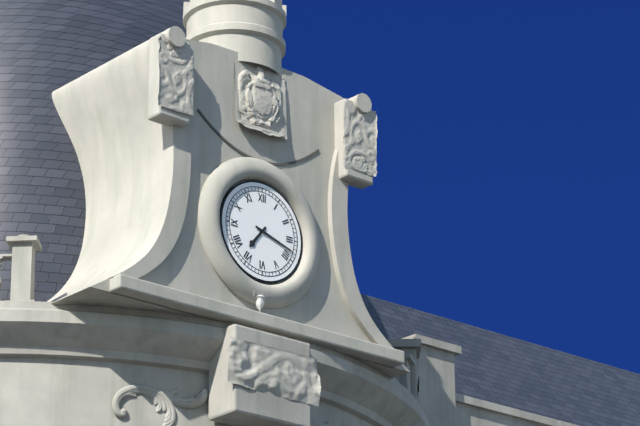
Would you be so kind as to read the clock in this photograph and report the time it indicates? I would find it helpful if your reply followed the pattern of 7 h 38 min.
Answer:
7 h 18 min
